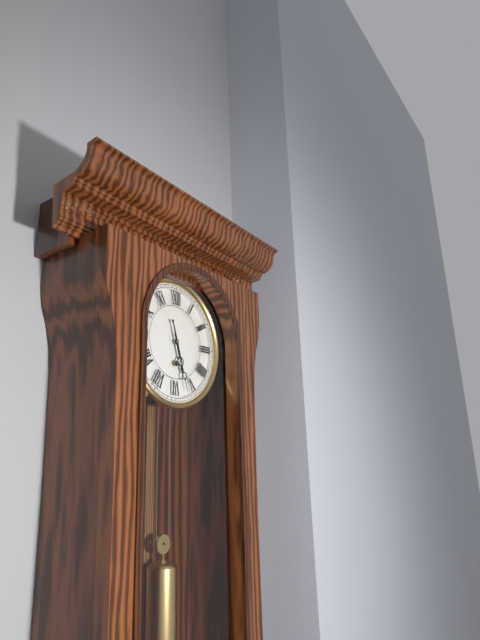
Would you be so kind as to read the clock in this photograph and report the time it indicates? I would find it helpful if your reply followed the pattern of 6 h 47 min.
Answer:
5 h 27 min
